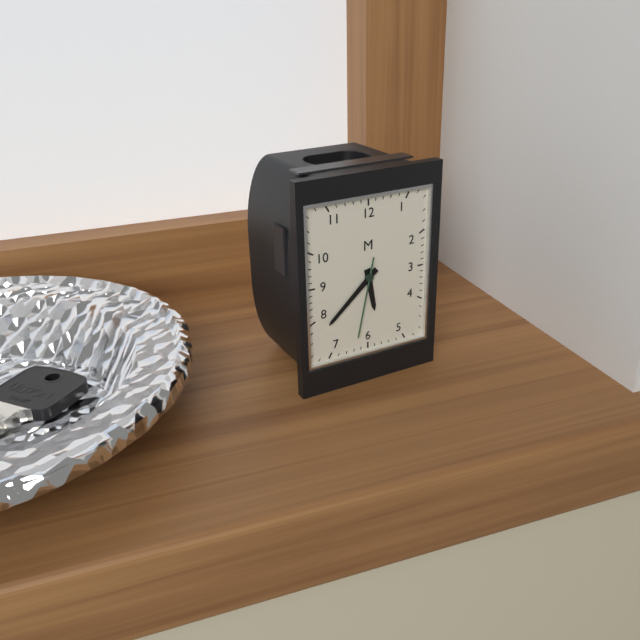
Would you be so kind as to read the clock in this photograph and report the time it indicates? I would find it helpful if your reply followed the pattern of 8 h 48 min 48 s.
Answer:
5 h 38 min 32 s
